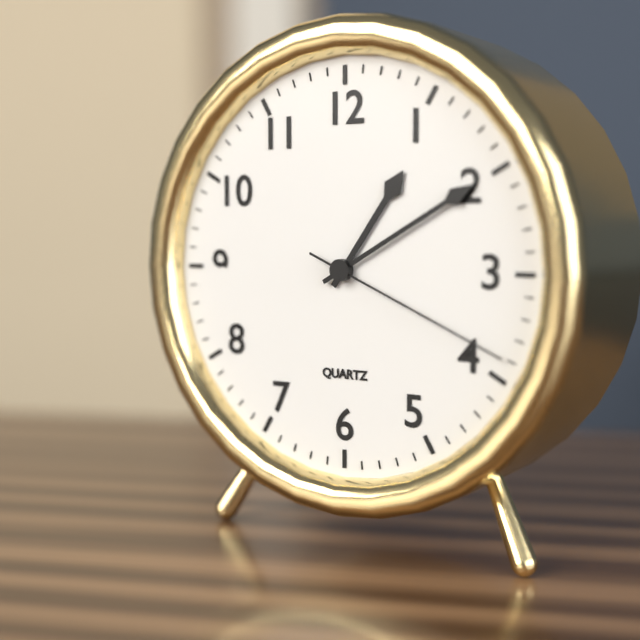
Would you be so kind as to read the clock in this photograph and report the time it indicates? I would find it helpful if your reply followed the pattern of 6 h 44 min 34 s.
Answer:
1 h 10 min 19 s
